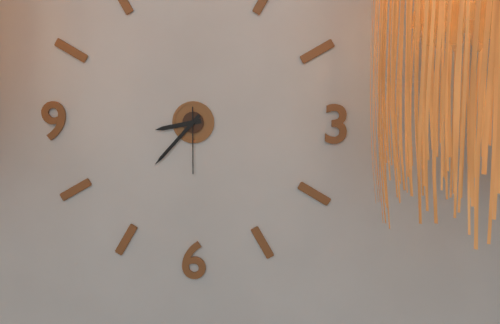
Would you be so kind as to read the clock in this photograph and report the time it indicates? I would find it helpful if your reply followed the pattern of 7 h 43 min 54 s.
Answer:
8 h 37 min 30 s
